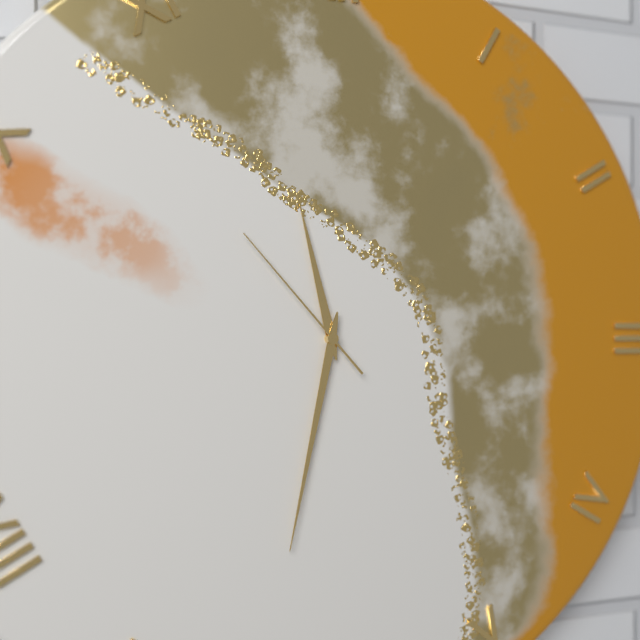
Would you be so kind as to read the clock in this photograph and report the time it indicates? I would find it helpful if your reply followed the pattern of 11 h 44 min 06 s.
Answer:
11 h 32 min 53 s
